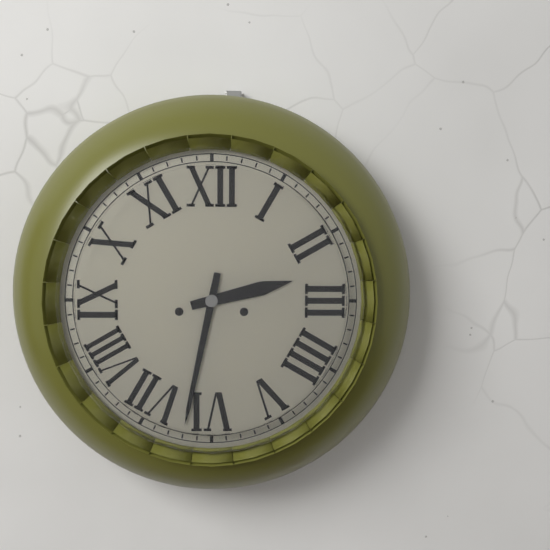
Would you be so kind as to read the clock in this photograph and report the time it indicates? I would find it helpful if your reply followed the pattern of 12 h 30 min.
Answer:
2 h 32 min
